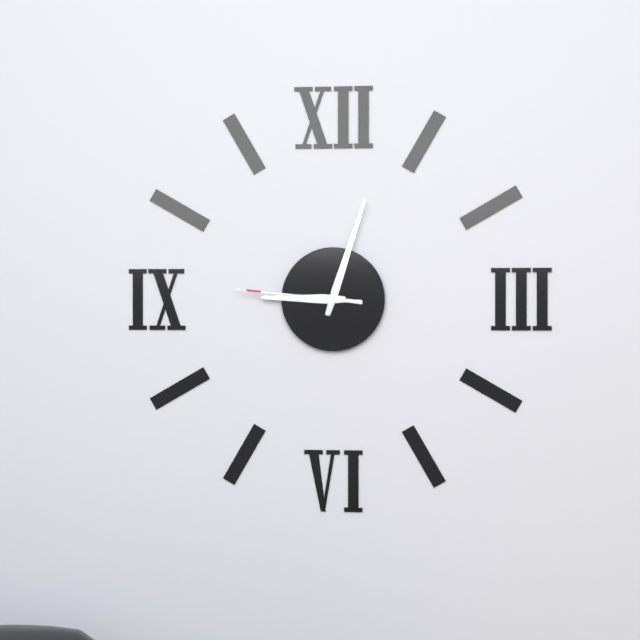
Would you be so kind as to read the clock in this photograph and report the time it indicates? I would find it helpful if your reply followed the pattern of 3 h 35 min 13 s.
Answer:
9 h 03 min 46 s
